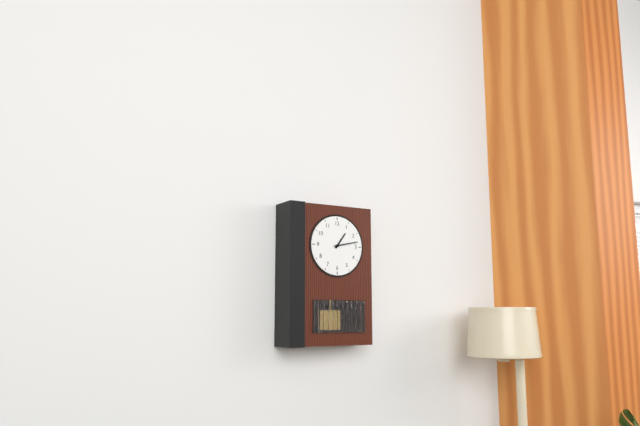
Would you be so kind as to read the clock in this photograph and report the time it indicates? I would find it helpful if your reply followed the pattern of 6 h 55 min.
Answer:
1 h 13 min
